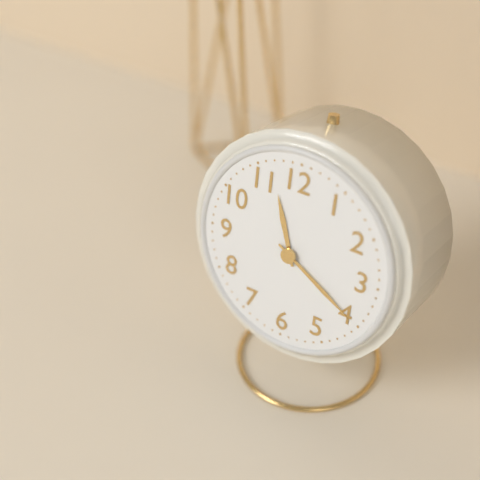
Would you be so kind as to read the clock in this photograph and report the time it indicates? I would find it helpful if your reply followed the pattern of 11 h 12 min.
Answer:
11 h 20 min
